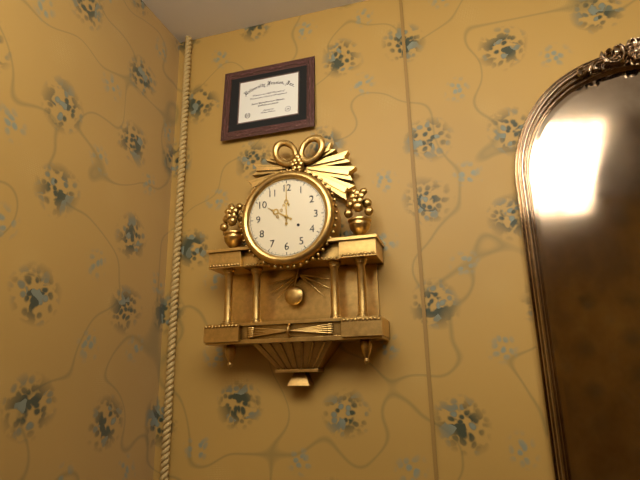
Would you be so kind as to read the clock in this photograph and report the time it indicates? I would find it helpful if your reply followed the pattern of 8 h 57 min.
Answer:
10 h 00 min
